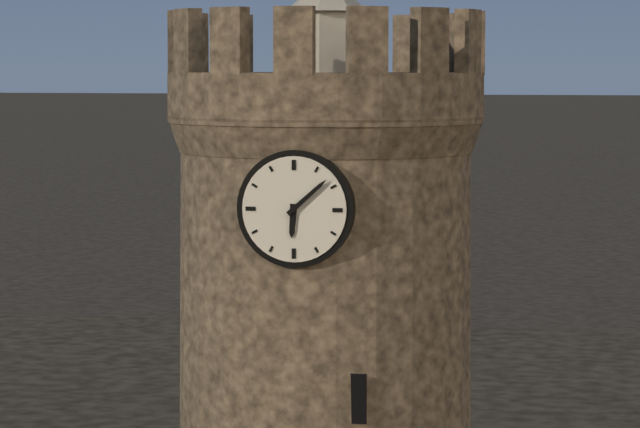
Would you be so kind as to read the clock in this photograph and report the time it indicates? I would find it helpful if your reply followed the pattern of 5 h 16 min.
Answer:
6 h 08 min
